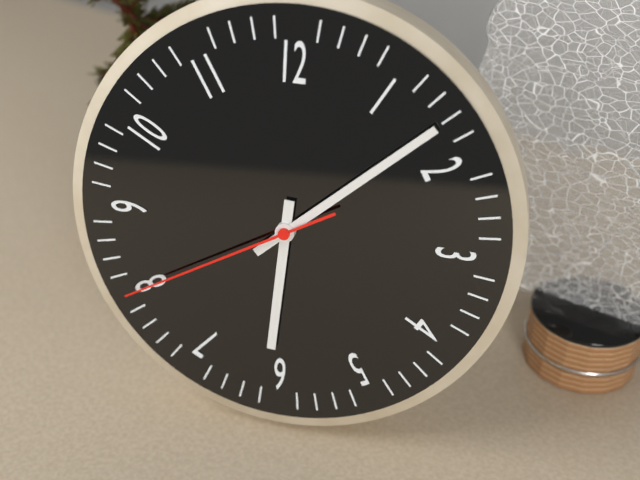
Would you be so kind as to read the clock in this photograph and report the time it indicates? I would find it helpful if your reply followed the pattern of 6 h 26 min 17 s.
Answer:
6 h 08 min 40 s
